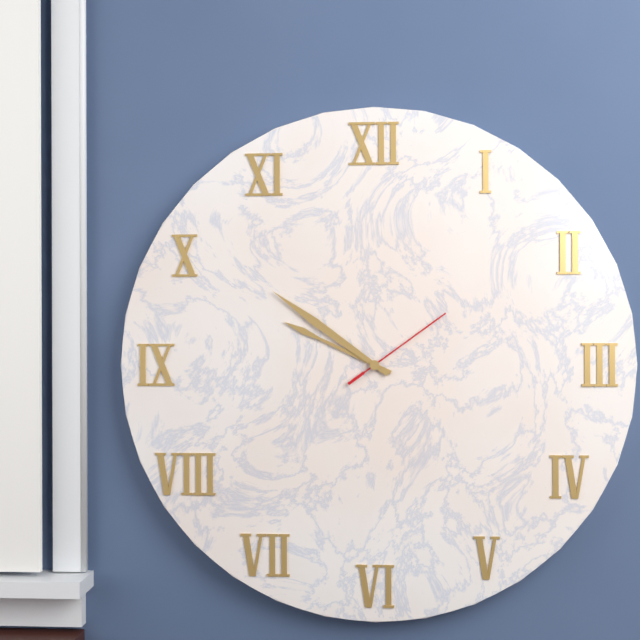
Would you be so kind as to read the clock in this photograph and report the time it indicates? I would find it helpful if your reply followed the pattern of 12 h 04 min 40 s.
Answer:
9 h 51 min 09 s
